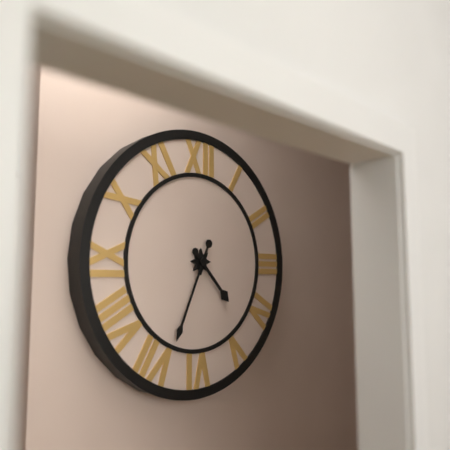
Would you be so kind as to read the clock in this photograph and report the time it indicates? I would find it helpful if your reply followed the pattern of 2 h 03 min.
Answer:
4 h 34 min
